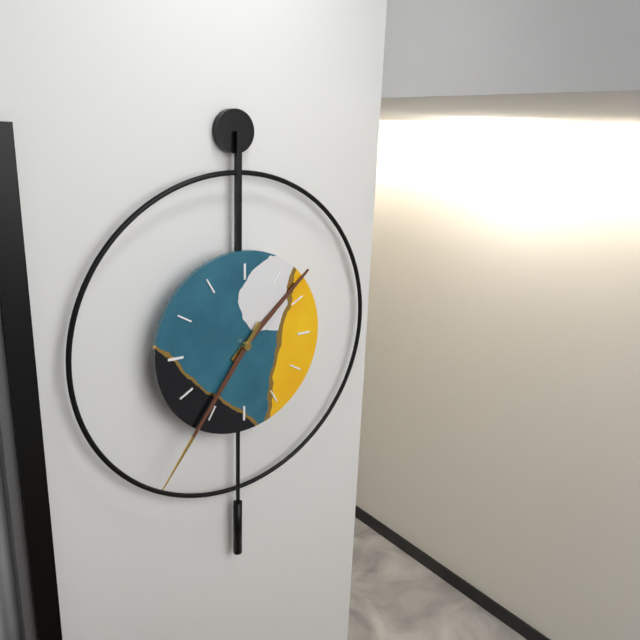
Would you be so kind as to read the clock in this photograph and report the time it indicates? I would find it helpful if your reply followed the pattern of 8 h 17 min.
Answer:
1 h 36 min
